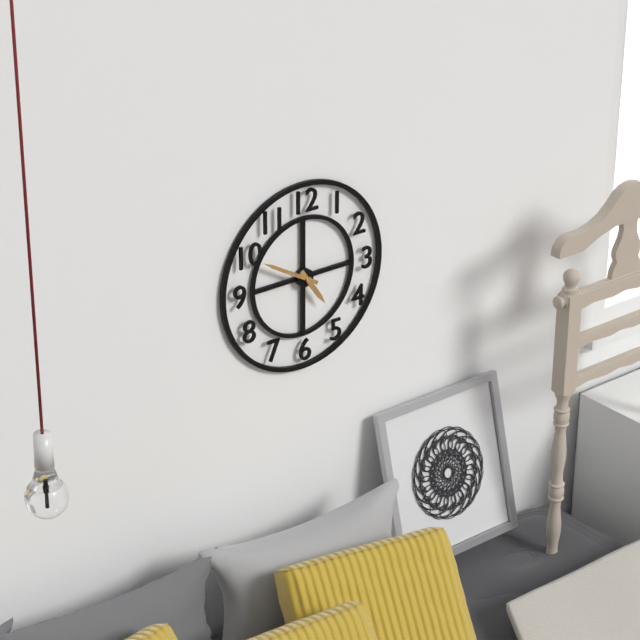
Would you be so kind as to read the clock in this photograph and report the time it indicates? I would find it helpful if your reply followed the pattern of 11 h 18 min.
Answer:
4 h 50 min
